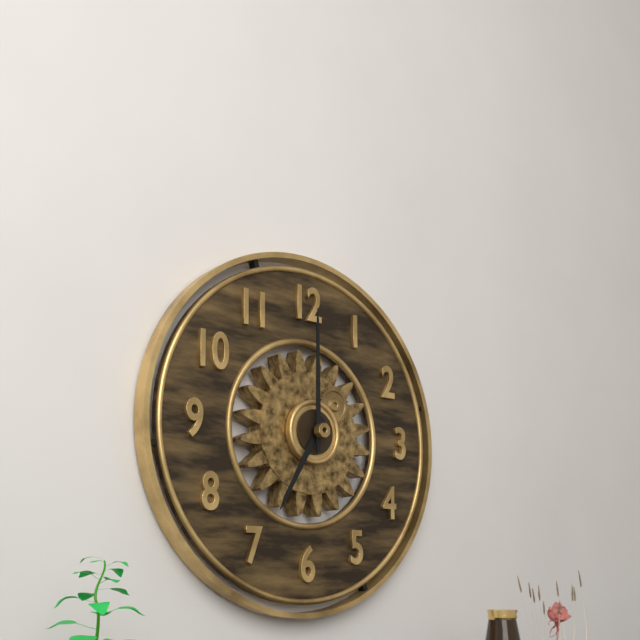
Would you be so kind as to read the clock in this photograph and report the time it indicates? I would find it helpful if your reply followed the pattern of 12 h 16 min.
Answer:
7 h 00 min
